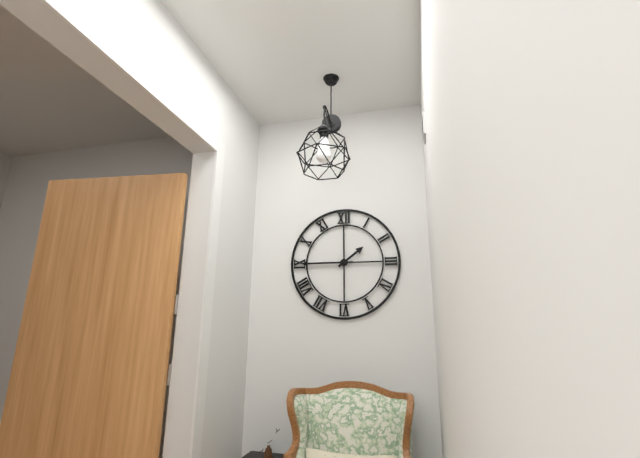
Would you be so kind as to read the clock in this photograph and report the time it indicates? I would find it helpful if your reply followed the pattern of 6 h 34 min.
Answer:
1 h 45 min
